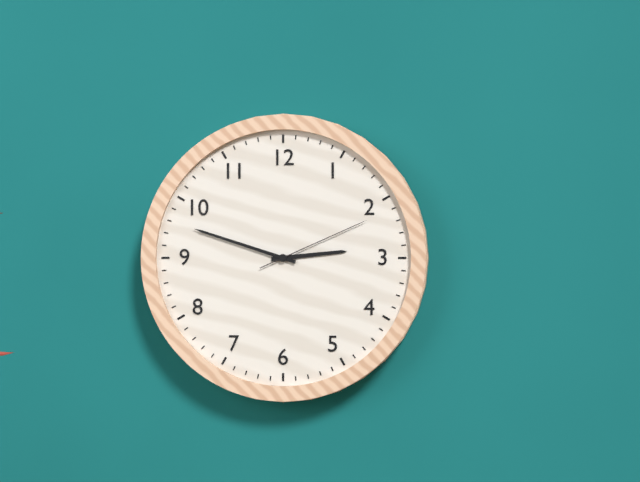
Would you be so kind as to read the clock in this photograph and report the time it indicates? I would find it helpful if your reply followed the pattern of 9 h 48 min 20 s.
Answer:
2 h 48 min 11 s
